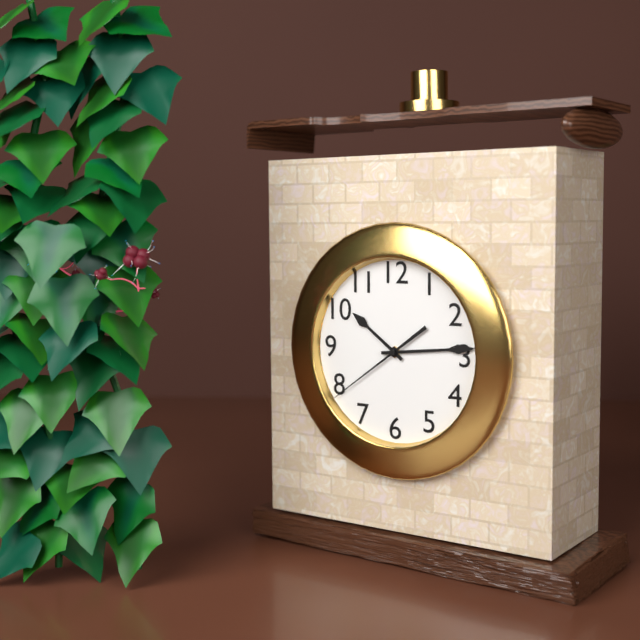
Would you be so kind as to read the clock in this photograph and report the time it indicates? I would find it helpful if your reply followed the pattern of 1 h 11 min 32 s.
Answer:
10 h 14 min 39 s
